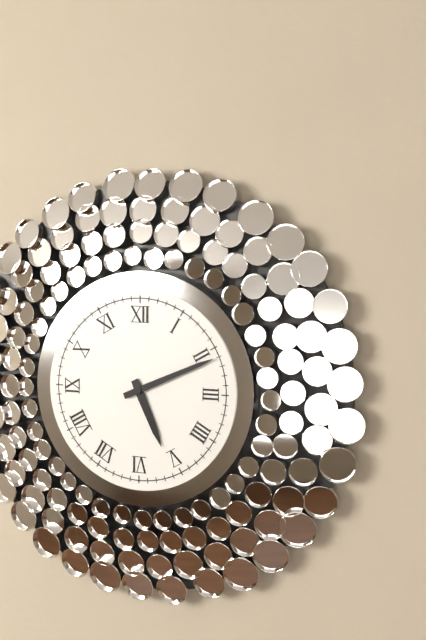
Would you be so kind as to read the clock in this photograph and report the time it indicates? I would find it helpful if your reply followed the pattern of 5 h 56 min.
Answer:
5 h 11 min
